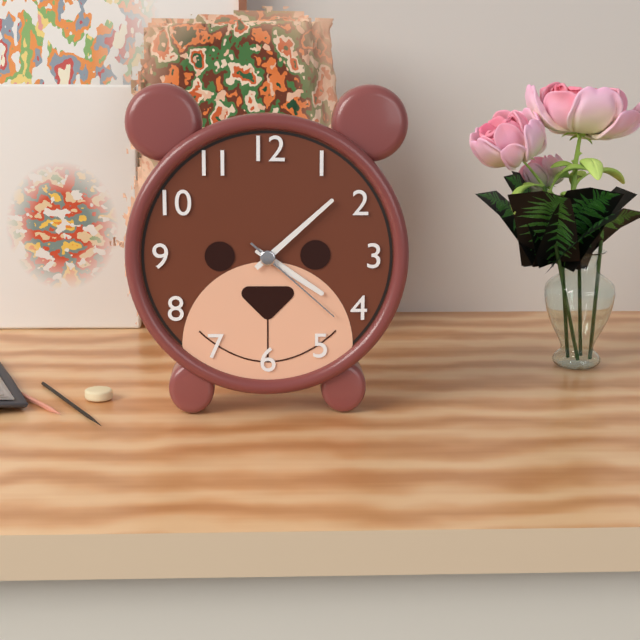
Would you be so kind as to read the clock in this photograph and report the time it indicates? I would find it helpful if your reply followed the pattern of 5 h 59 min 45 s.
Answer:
4 h 08 min 22 s
